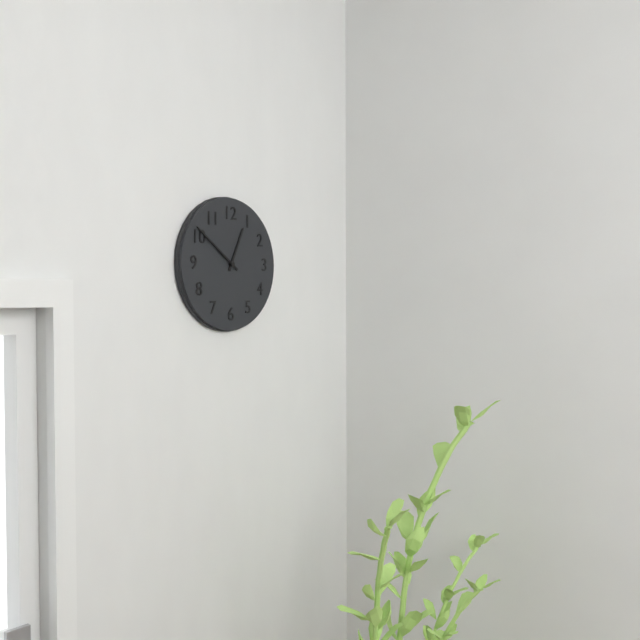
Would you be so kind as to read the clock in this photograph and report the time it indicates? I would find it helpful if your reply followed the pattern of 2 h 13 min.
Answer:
12 h 51 min
